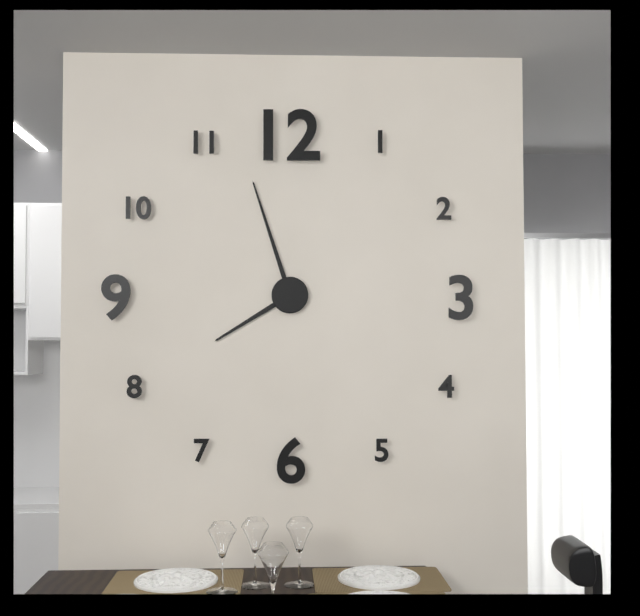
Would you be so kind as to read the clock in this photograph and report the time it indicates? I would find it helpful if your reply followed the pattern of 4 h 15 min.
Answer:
7 h 57 min
